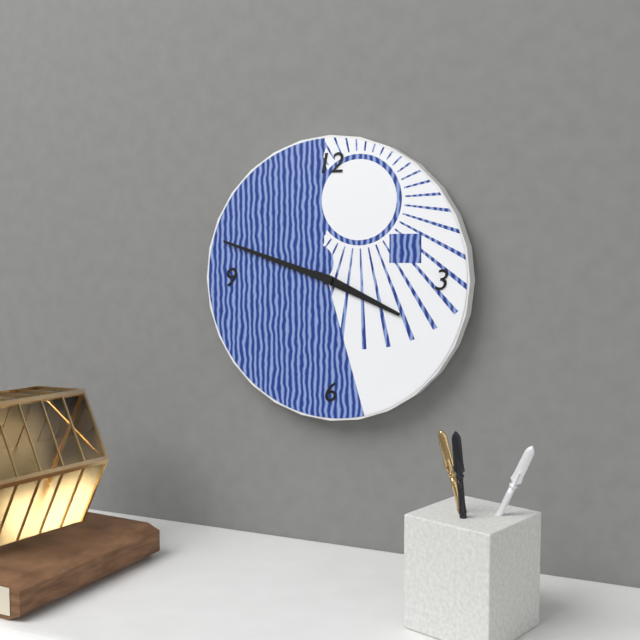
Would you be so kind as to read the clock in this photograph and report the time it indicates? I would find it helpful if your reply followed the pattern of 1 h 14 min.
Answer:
3 h 48 min
